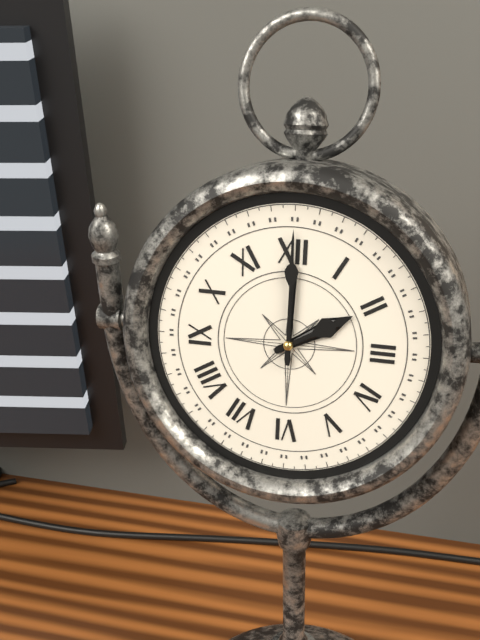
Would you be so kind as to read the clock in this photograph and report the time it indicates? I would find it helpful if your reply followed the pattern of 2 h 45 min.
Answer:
2 h 00 min
